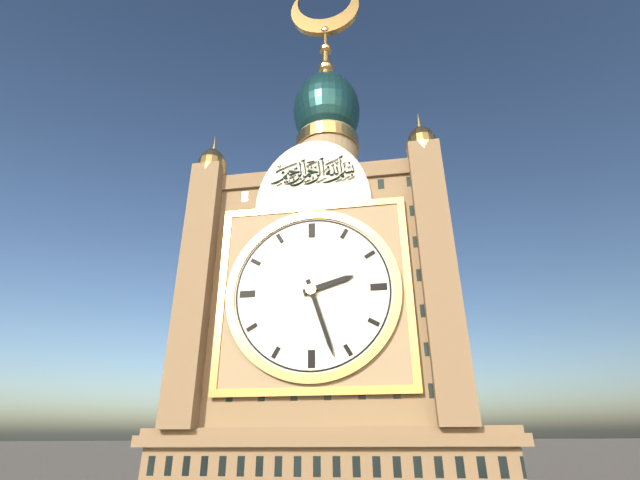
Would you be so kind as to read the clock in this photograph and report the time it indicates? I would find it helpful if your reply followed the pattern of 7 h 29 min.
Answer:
2 h 27 min
